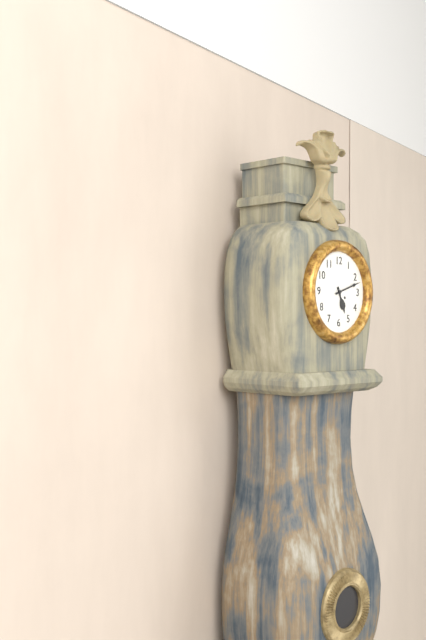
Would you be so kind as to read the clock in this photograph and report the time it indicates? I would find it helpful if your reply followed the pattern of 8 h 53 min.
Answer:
5 h 12 min
